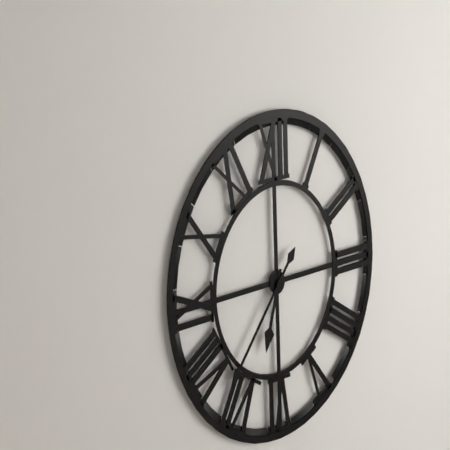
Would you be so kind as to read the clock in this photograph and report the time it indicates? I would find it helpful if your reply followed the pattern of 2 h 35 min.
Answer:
6 h 37 min
